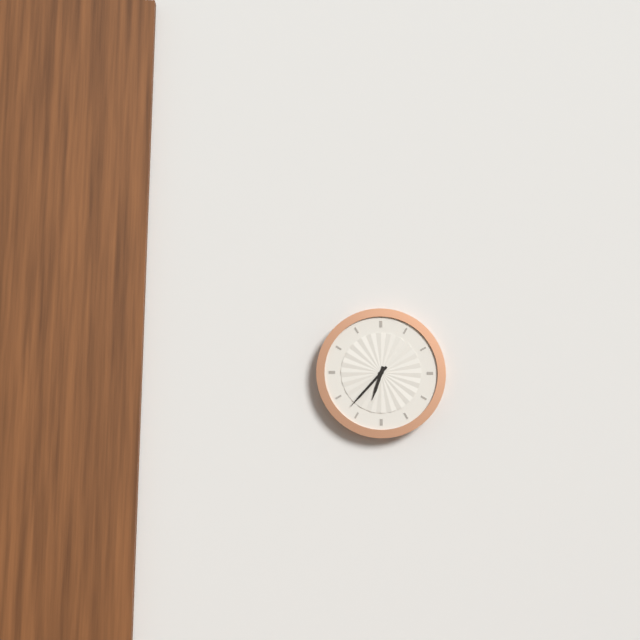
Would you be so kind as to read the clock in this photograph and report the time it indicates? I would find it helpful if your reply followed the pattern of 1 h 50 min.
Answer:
6 h 37 min
